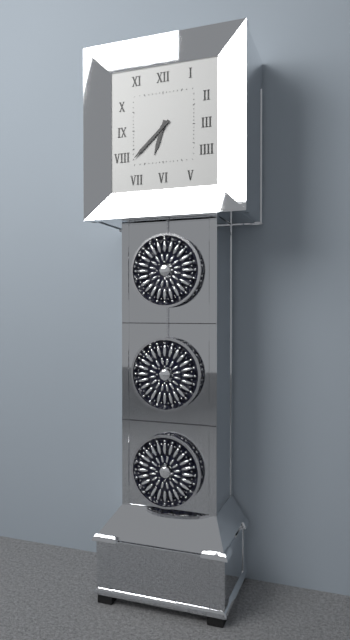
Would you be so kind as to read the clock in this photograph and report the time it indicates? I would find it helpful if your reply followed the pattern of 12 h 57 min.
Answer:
6 h 38 min
